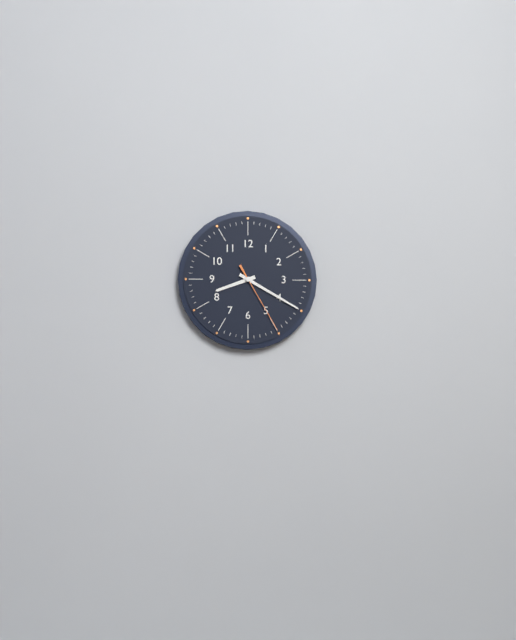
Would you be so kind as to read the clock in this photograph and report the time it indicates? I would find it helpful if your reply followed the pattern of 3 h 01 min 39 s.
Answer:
8 h 20 min 25 s
